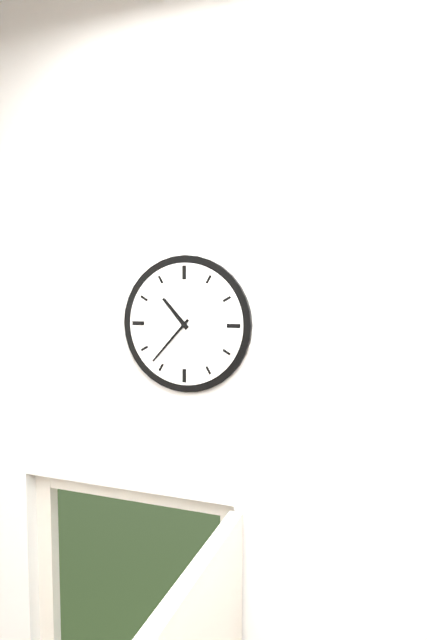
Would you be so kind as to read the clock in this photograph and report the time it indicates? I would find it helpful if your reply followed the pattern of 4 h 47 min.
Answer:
10 h 37 min
